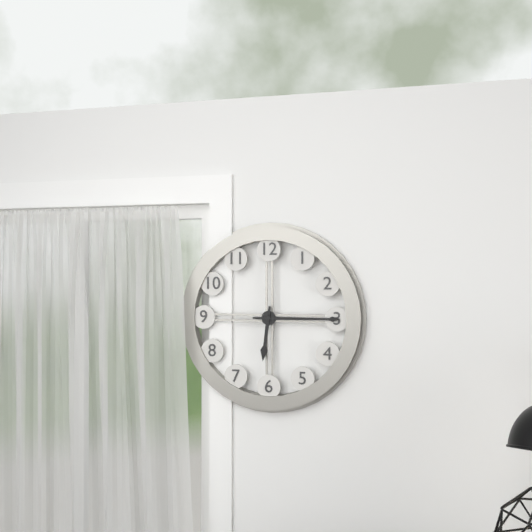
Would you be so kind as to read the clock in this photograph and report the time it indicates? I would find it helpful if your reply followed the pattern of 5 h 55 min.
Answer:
6 h 15 min
